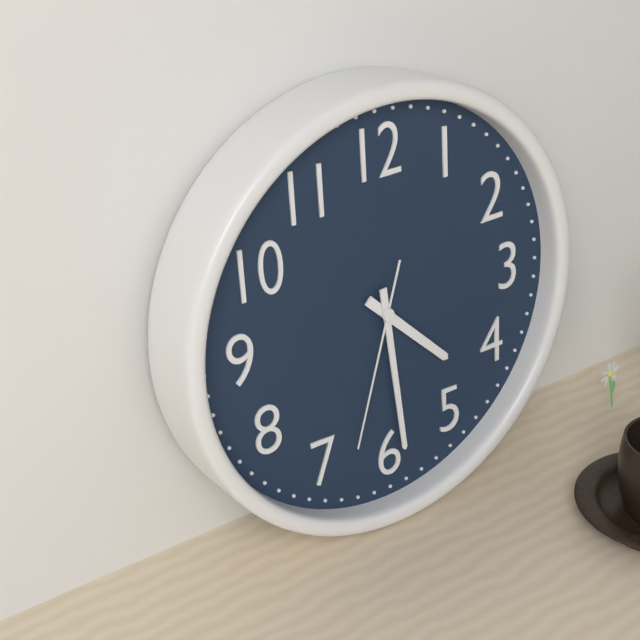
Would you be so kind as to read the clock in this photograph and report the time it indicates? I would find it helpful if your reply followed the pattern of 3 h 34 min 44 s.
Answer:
4 h 29 min 33 s
